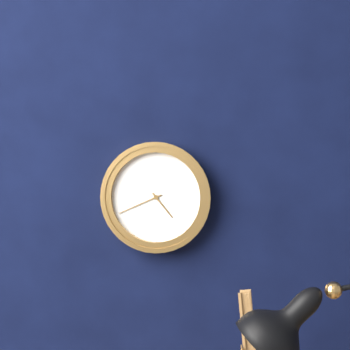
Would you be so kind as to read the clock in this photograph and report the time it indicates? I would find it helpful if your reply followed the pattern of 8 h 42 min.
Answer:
4 h 41 min
